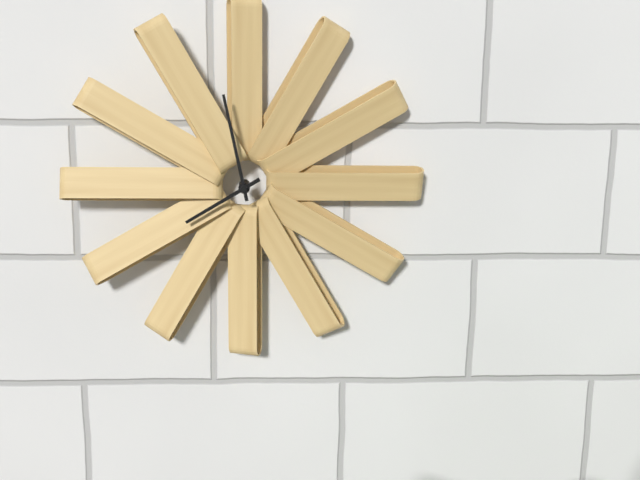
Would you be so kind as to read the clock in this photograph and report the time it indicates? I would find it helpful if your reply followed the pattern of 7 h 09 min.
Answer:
7 h 58 min
